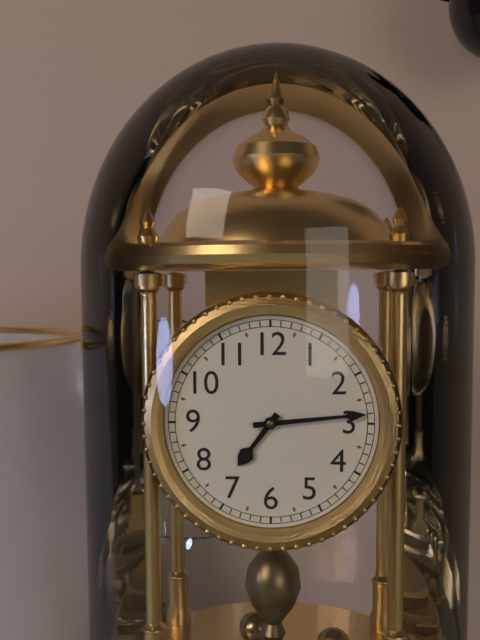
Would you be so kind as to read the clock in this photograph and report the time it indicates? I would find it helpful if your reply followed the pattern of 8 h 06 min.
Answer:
7 h 14 min
